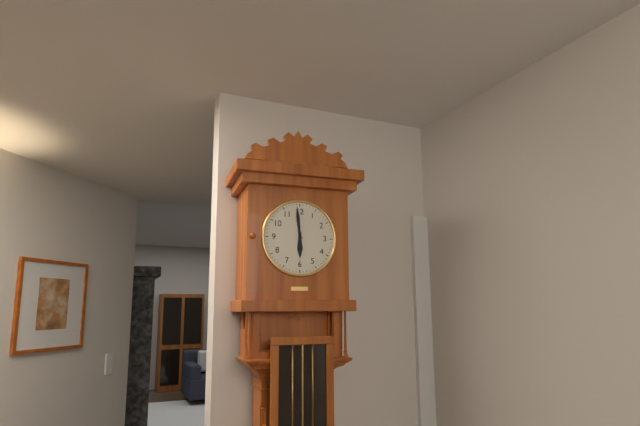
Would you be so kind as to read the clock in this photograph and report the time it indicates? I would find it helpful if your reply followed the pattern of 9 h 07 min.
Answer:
5 h 59 min
